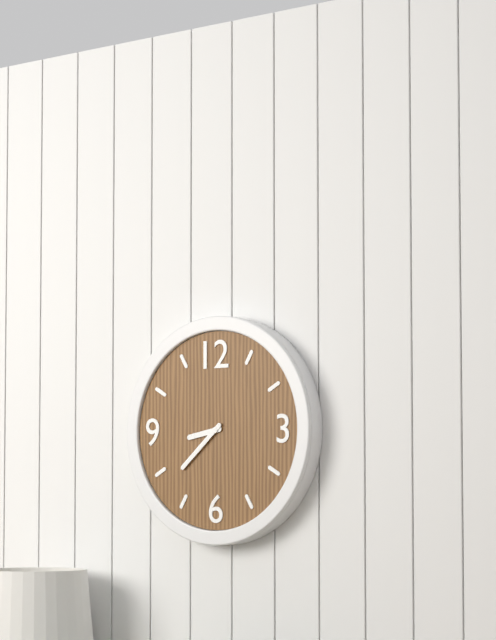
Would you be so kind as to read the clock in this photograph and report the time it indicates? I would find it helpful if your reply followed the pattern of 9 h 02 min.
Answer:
8 h 38 min
